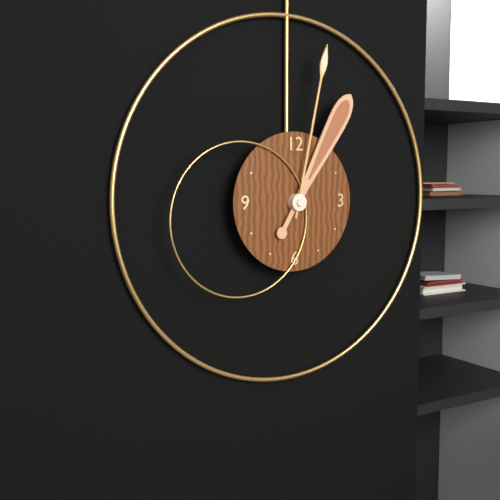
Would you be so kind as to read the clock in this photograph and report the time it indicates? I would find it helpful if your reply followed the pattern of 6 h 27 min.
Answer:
1 h 02 min
